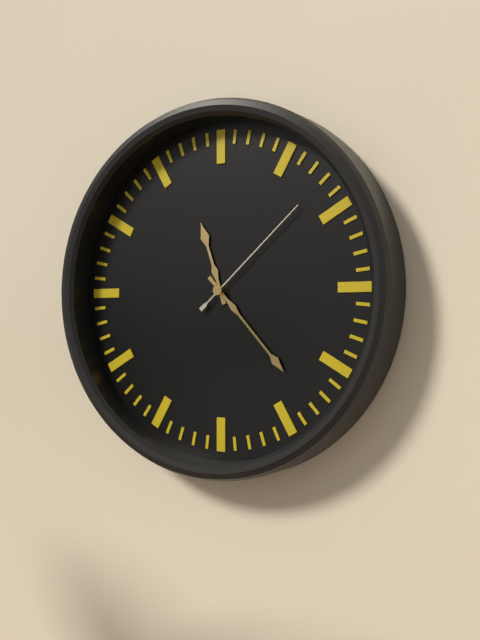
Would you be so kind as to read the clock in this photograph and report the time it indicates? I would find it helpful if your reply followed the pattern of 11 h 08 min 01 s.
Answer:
11 h 23 min 08 s
